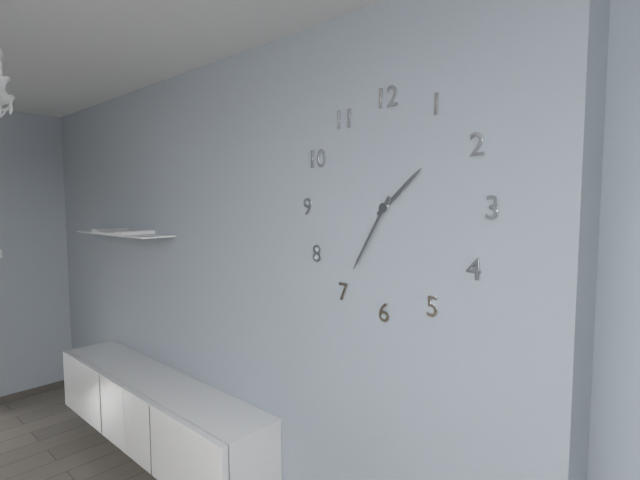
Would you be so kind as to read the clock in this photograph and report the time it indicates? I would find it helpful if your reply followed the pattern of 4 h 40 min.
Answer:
1 h 35 min
